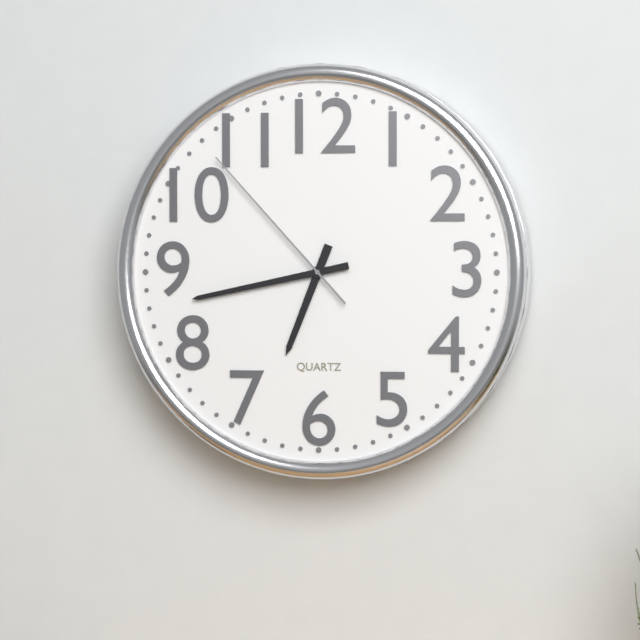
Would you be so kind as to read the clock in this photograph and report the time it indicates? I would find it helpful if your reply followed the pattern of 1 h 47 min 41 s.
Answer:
6 h 43 min 53 s
